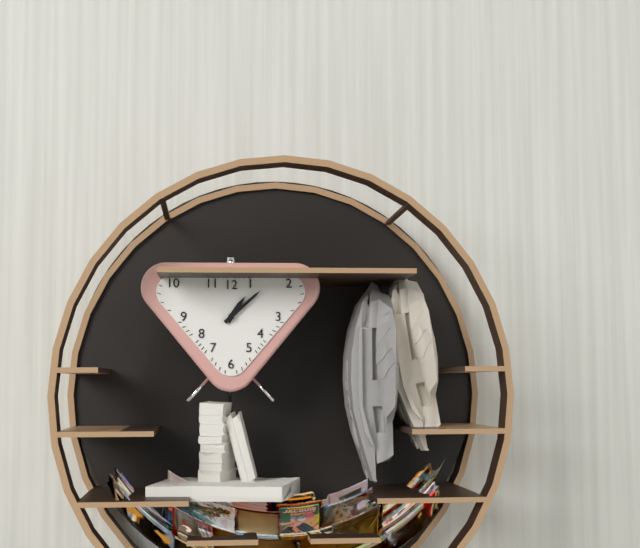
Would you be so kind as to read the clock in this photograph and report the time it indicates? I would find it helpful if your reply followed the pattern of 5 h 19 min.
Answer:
1 h 08 min
